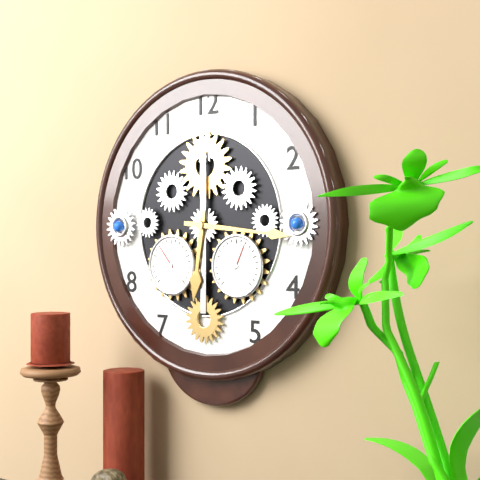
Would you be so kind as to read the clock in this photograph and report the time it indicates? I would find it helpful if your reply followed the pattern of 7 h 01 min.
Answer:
6 h 16 min
